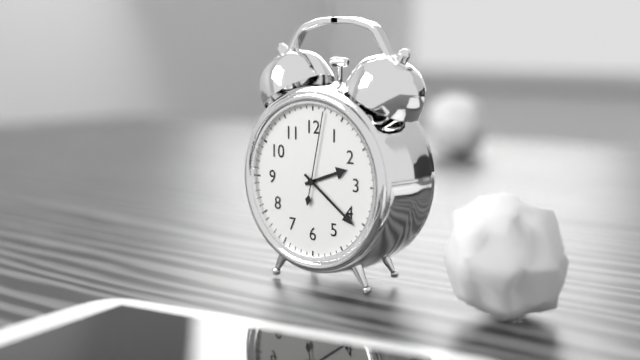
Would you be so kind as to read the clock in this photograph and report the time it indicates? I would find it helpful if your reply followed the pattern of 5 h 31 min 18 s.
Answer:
2 h 21 min 02 s
